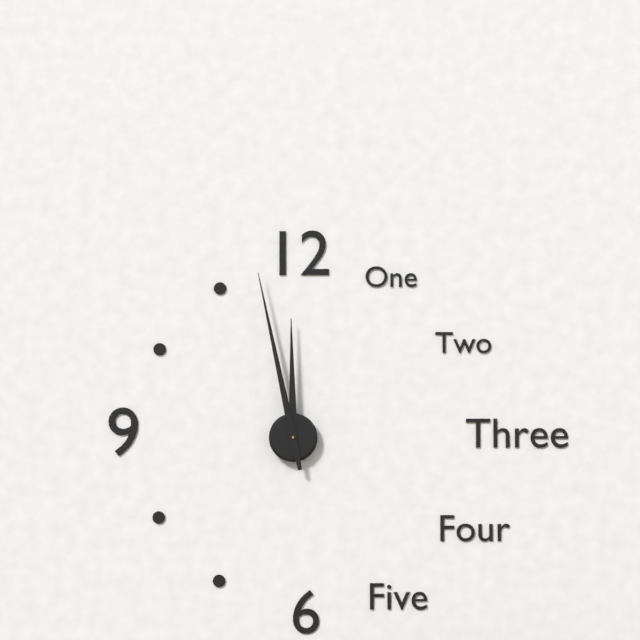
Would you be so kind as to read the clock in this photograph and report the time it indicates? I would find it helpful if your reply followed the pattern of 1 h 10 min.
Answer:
11 h 58 min
